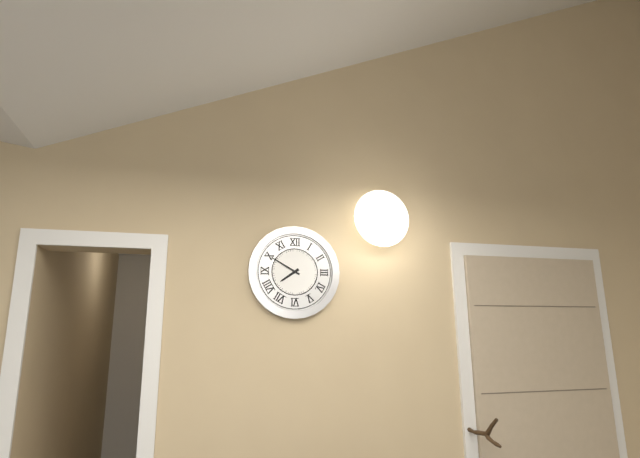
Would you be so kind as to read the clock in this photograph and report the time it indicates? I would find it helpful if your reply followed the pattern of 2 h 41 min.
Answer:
7 h 50 min
